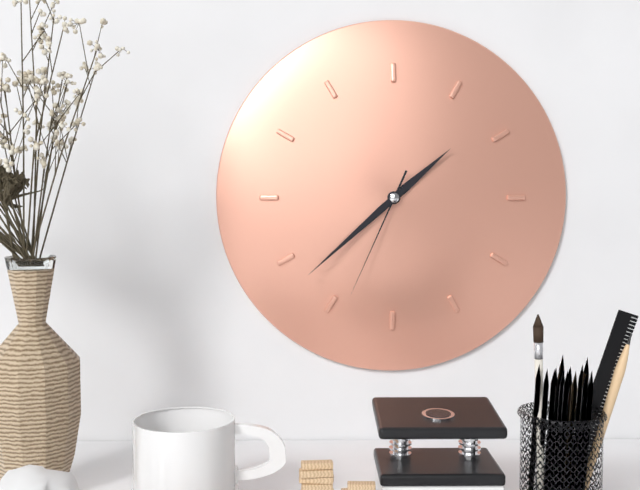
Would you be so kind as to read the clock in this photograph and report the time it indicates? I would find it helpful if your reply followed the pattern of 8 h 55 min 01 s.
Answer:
1 h 38 min 34 s
